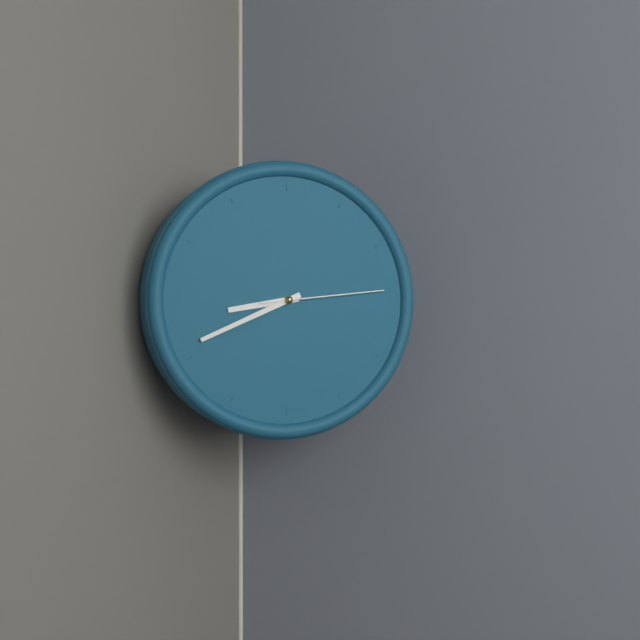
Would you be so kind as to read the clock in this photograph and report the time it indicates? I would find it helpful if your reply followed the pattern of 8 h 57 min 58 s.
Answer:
8 h 41 min 14 s
